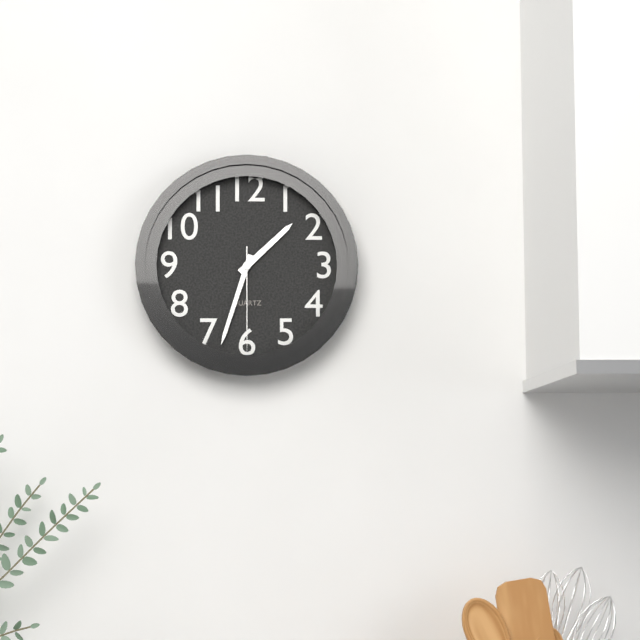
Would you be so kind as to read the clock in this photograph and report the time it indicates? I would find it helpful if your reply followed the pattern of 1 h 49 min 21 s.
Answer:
1 h 33 min 30 s
